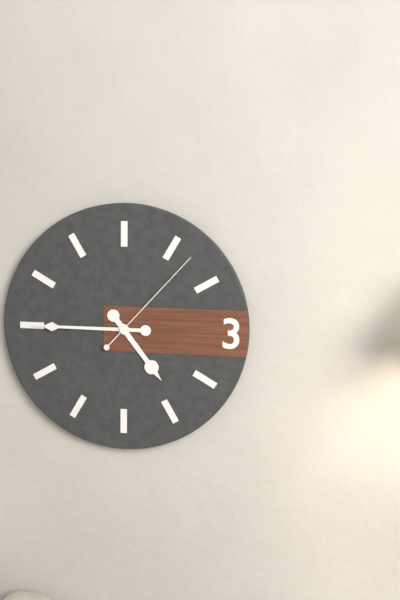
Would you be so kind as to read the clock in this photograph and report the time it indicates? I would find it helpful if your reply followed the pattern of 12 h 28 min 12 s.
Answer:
4 h 45 min 07 s
